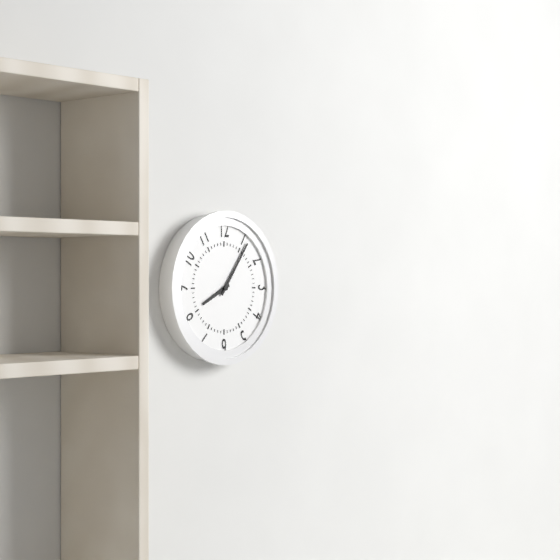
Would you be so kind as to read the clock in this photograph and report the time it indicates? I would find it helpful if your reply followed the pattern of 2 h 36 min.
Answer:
8 h 06 min
